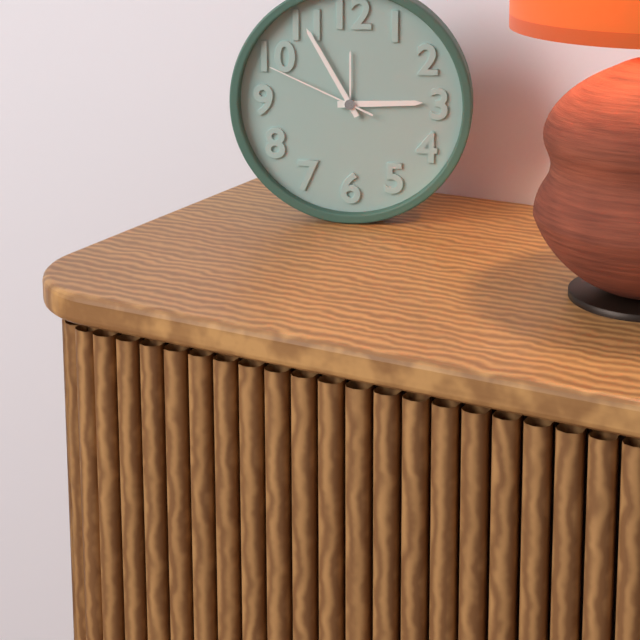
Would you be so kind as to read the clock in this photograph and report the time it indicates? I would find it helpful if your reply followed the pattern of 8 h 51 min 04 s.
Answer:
2 h 55 min 49 s
